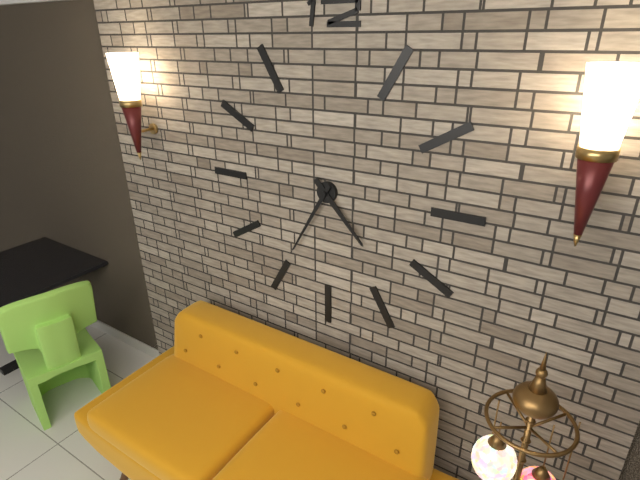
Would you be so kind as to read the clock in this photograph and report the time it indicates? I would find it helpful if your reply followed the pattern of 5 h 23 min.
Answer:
4 h 35 min
